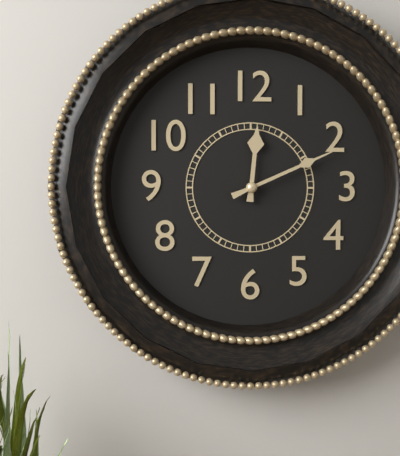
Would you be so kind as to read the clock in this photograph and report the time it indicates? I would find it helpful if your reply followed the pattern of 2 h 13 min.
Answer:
12 h 11 min
